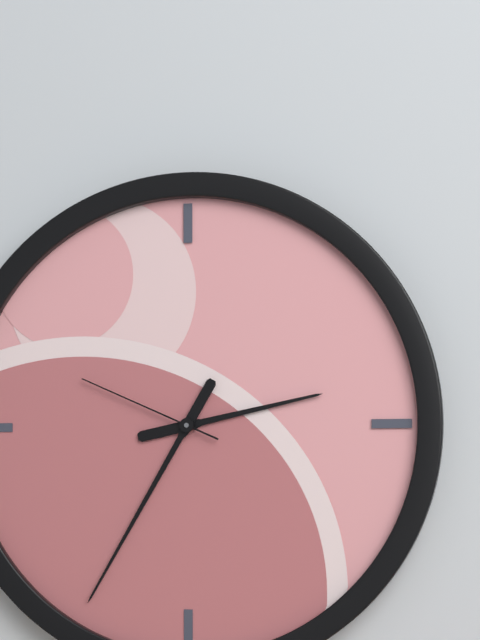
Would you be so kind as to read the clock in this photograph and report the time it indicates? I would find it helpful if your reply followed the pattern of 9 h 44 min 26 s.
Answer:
2 h 35 min 49 s
